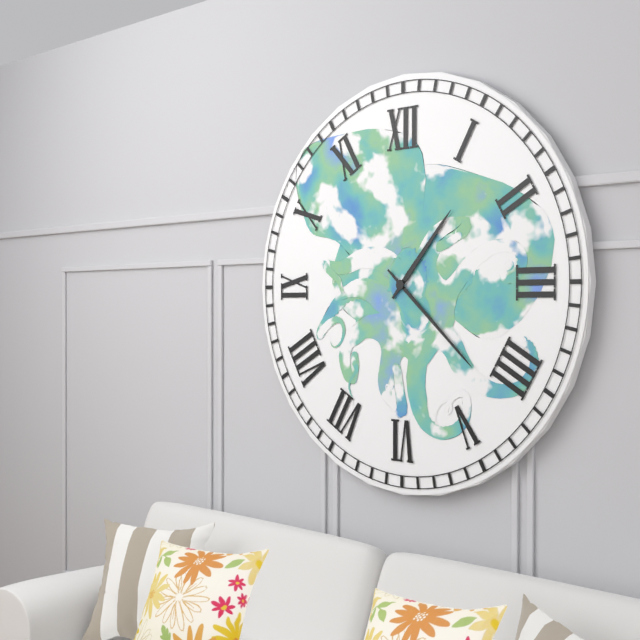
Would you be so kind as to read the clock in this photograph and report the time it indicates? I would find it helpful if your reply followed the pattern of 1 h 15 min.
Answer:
1 h 22 min
